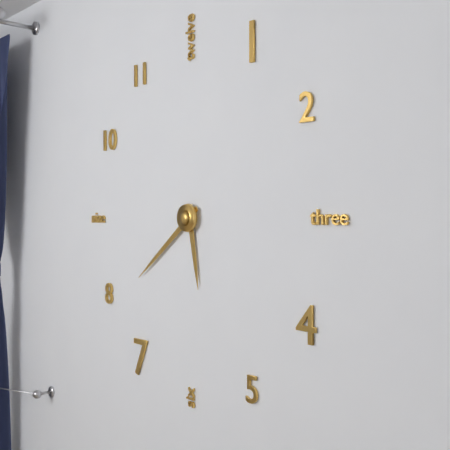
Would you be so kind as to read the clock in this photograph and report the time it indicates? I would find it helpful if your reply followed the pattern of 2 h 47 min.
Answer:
5 h 39 min
